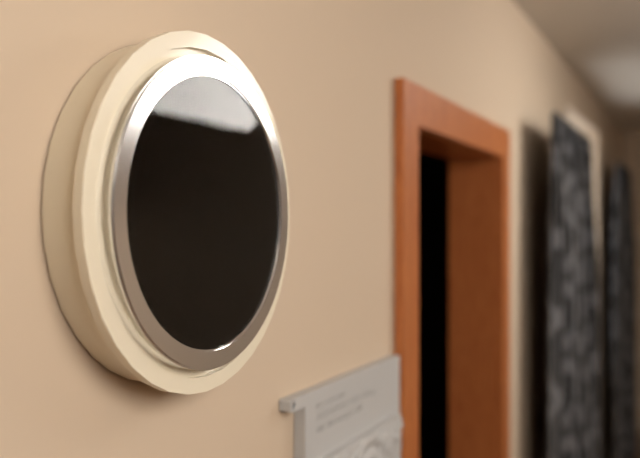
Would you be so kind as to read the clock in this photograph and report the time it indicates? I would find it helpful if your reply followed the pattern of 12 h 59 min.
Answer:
10 h 23 min
